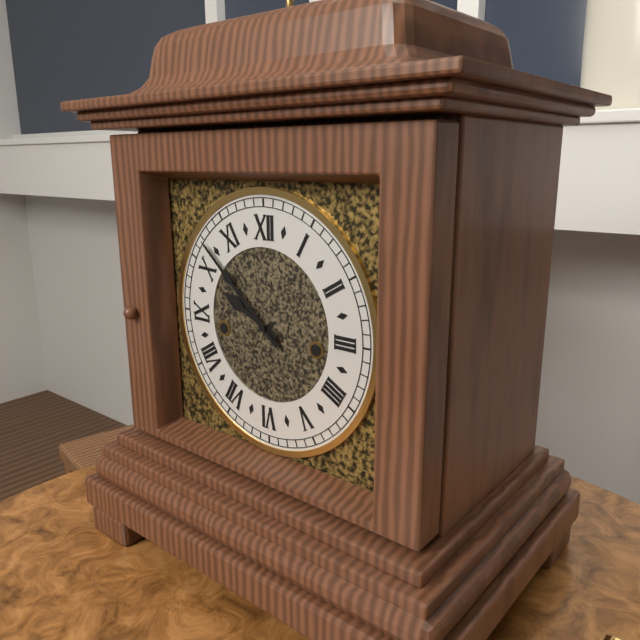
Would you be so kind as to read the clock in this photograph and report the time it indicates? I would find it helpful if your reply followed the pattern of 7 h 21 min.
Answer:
9 h 52 min
